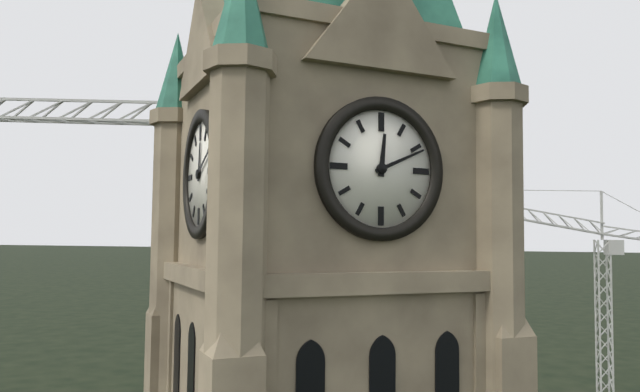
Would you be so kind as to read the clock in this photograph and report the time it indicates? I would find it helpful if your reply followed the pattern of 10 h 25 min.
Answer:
12 h 11 min
